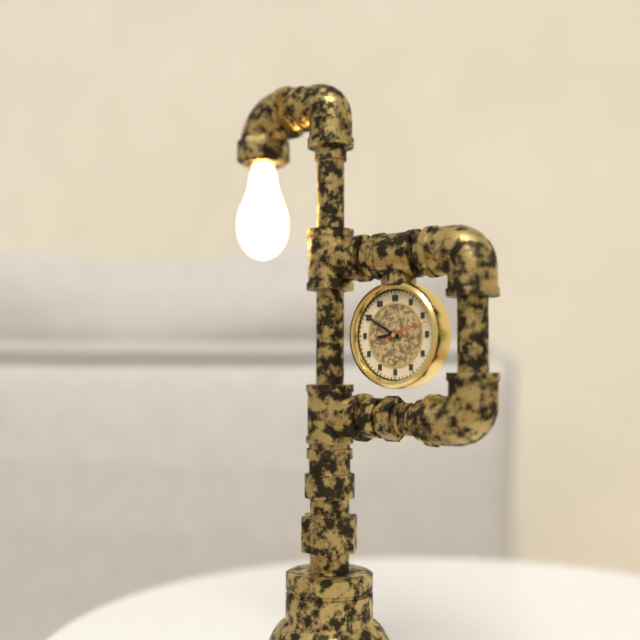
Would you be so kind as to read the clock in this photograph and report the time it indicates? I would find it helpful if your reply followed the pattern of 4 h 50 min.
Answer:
8 h 50 min
